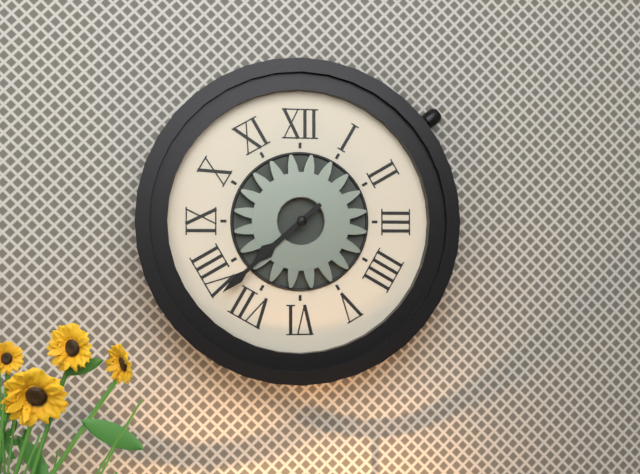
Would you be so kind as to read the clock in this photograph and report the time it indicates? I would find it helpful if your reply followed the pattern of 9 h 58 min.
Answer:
7 h 38 min
